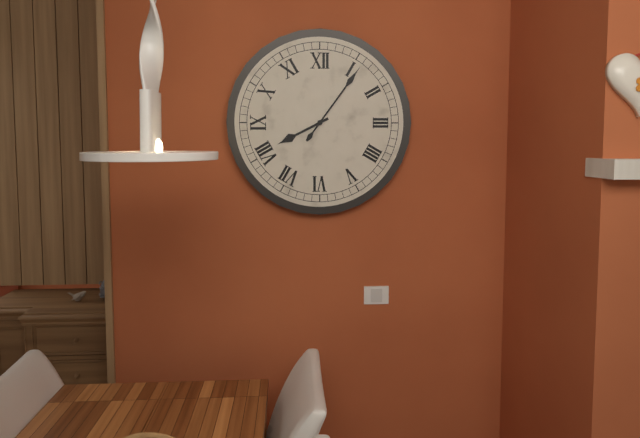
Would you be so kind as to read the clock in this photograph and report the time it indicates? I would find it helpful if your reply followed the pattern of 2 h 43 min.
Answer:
8 h 06 min
